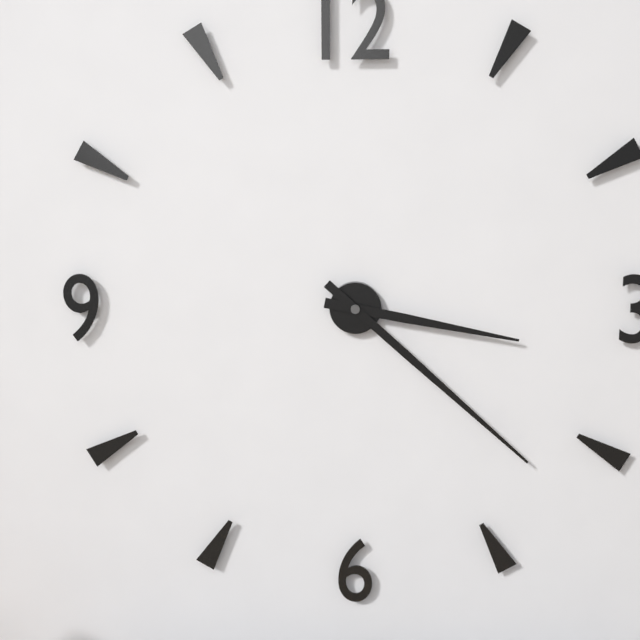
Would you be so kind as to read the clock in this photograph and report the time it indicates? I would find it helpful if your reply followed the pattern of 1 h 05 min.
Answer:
3 h 22 min
